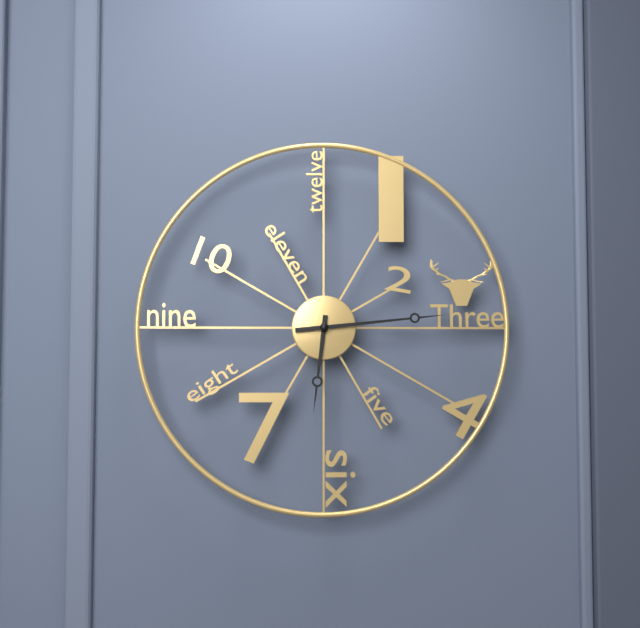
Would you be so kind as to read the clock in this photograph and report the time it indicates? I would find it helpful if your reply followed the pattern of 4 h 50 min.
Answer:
6 h 14 min
